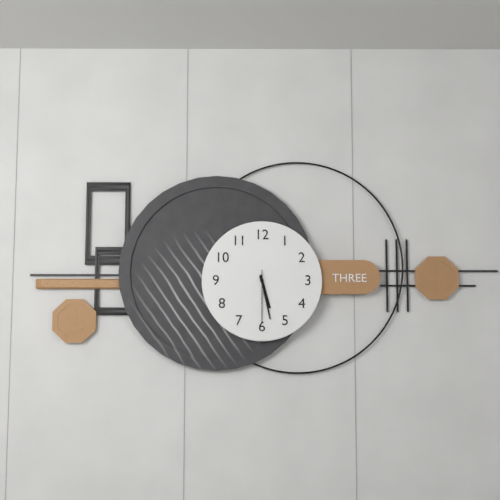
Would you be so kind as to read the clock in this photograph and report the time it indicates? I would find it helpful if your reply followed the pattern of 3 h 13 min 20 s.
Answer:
5 h 28 min 30 s
